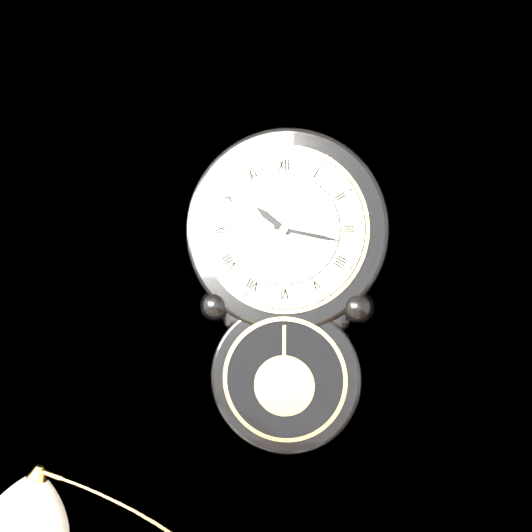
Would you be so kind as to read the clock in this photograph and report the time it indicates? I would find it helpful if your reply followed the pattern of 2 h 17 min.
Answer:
10 h 17 min
